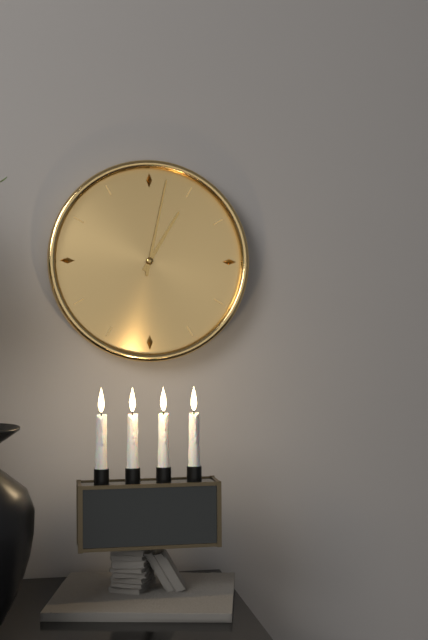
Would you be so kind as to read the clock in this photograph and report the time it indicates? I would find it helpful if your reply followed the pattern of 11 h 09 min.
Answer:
1 h 02 min
